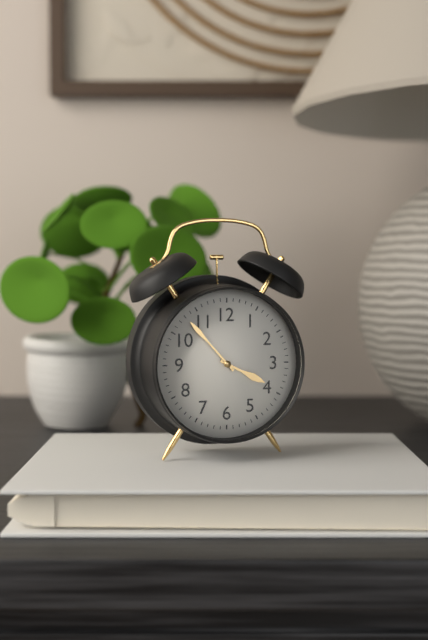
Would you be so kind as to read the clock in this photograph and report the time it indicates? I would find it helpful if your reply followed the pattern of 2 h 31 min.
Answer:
3 h 53 min
